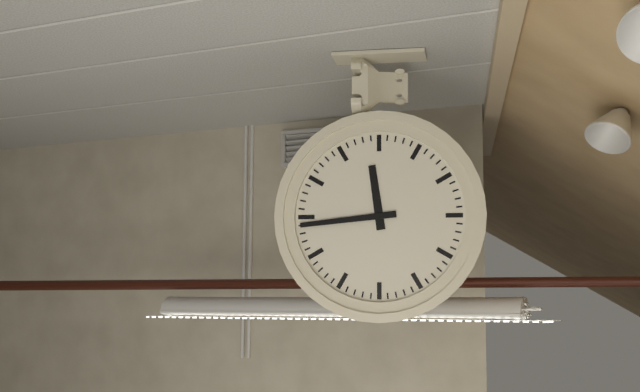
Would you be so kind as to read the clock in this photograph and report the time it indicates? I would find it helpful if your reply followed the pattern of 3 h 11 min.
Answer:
11 h 44 min
